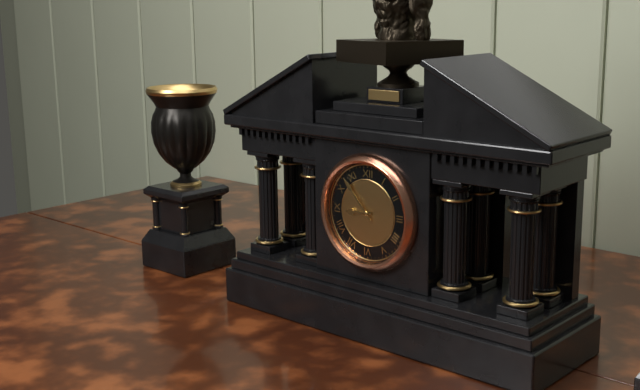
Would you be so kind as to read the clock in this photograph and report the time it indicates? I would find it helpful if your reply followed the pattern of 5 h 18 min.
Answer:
8 h 53 min
